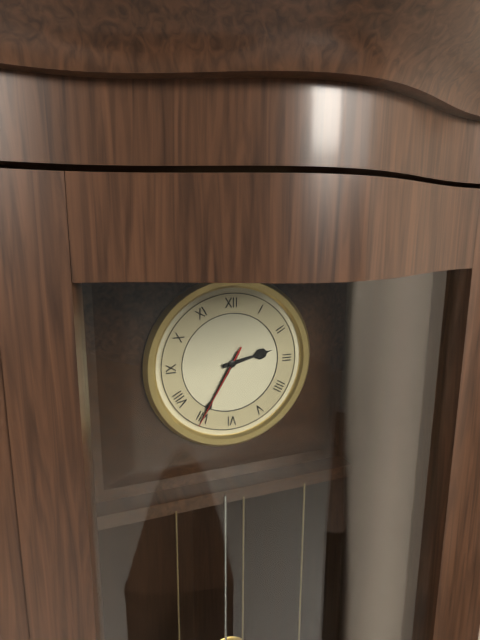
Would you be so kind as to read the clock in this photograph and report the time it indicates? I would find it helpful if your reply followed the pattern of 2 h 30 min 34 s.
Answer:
2 h 35 min 35 s
